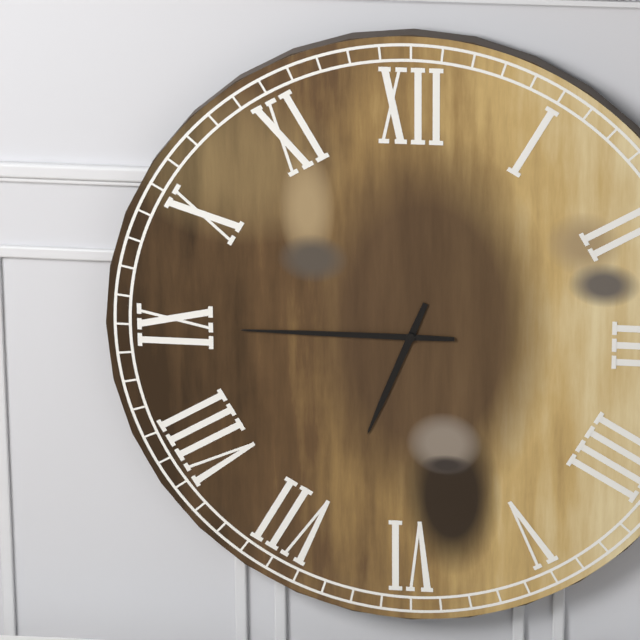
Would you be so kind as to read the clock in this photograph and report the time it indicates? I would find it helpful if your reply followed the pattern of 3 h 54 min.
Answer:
6 h 45 min
